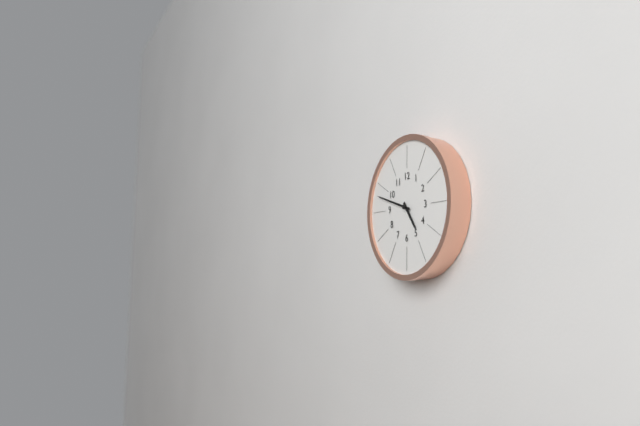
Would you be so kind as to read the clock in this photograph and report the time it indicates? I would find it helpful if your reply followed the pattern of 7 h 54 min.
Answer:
4 h 48 min
